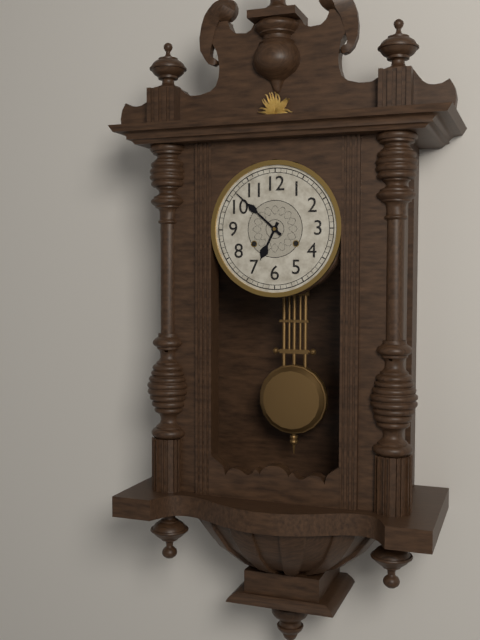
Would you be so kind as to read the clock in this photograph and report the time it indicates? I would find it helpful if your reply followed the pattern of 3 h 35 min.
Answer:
6 h 52 min
